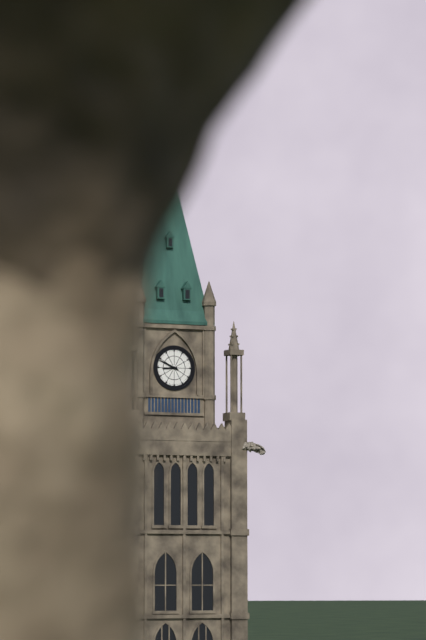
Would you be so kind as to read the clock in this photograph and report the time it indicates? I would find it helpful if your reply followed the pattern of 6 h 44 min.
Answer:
8 h 49 min
